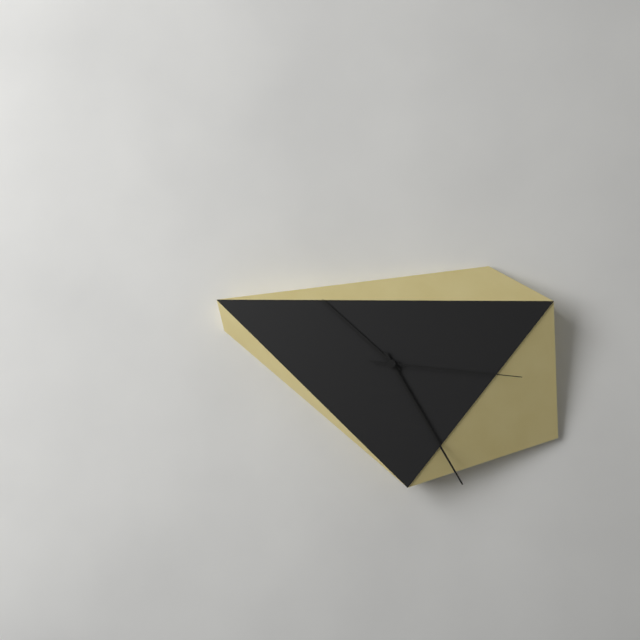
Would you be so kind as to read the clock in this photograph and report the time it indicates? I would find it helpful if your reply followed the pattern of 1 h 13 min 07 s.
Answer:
10 h 25 min 16 s
